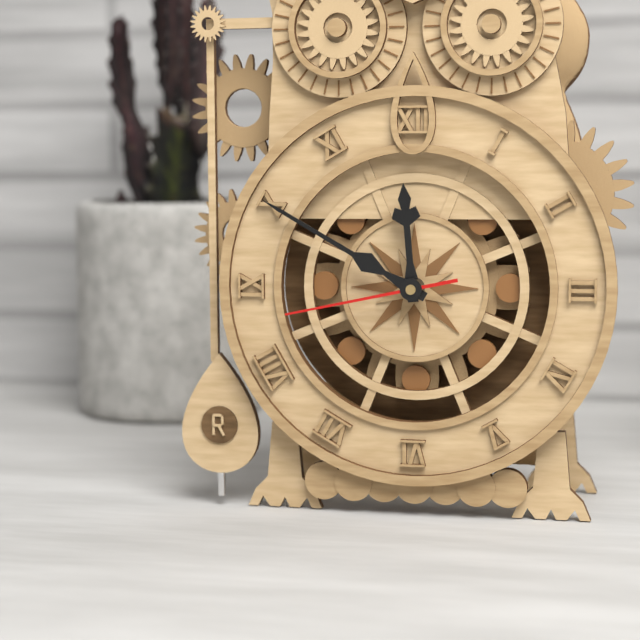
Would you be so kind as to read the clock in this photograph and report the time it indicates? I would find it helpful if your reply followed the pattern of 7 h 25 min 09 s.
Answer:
11 h 50 min 43 s
